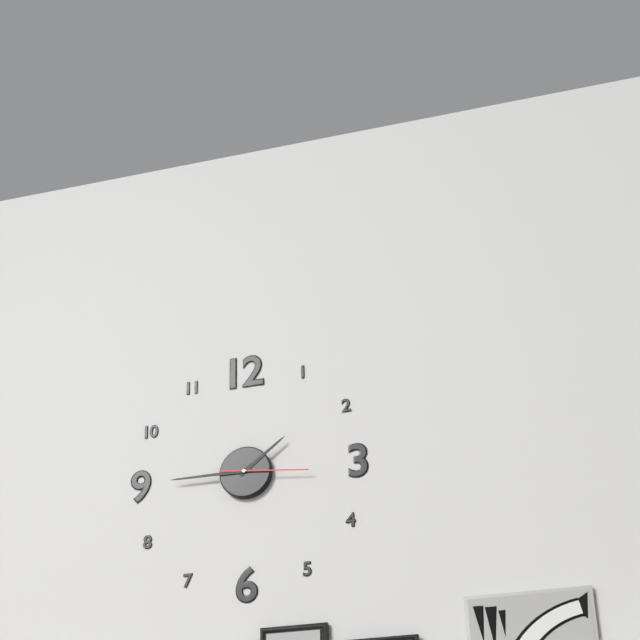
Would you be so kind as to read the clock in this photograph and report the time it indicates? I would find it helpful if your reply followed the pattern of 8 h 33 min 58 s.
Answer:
1 h 45 min 16 s
